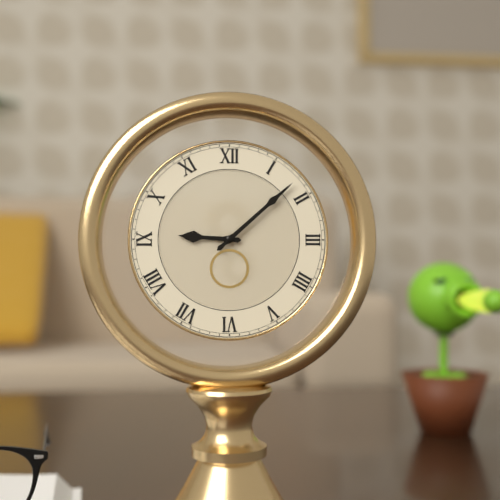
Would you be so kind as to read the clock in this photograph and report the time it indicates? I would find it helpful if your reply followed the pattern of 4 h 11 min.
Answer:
9 h 08 min
